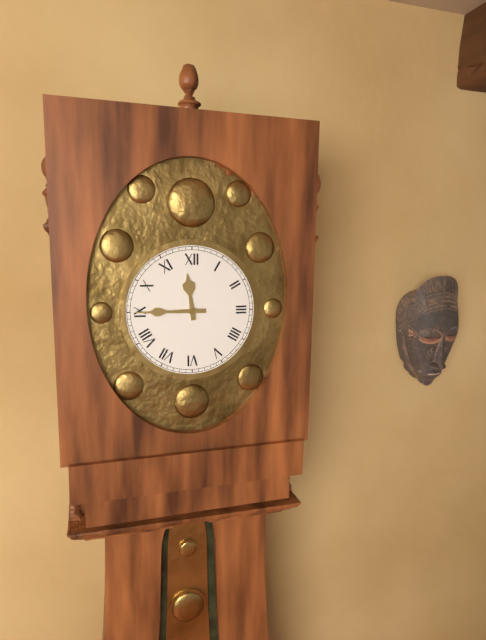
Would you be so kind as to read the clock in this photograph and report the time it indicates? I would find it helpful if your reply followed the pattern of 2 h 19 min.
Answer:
11 h 45 min
